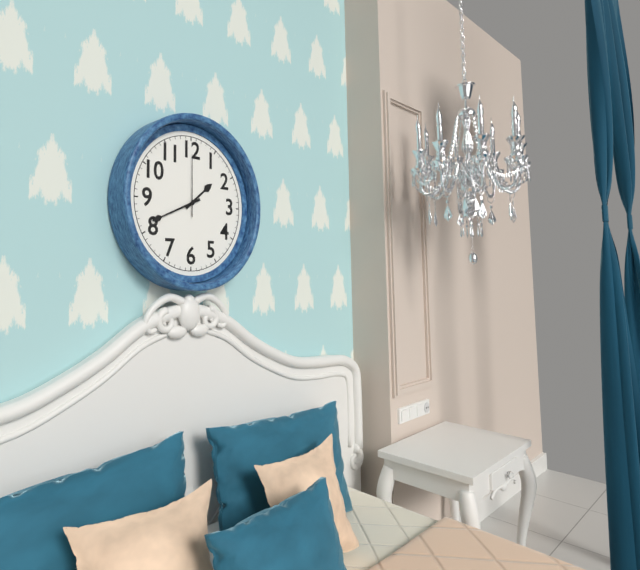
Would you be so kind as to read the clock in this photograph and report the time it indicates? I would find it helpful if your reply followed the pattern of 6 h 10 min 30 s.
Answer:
1 h 41 min 00 s
